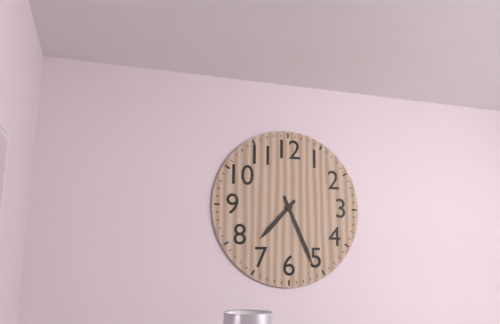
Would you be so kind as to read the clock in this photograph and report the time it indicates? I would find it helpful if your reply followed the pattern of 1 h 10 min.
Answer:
7 h 26 min
